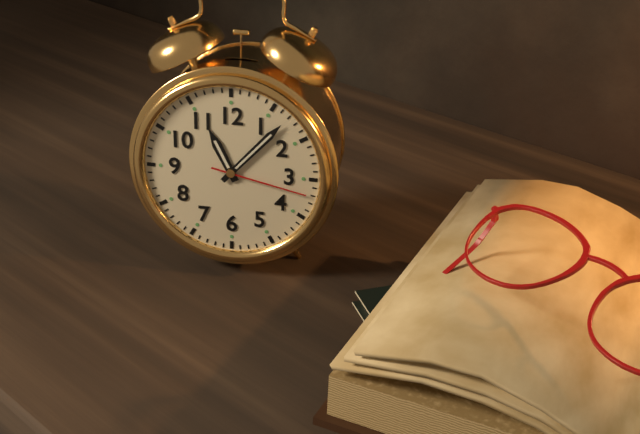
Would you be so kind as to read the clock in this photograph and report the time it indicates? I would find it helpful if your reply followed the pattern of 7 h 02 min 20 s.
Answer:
11 h 07 min 17 s
